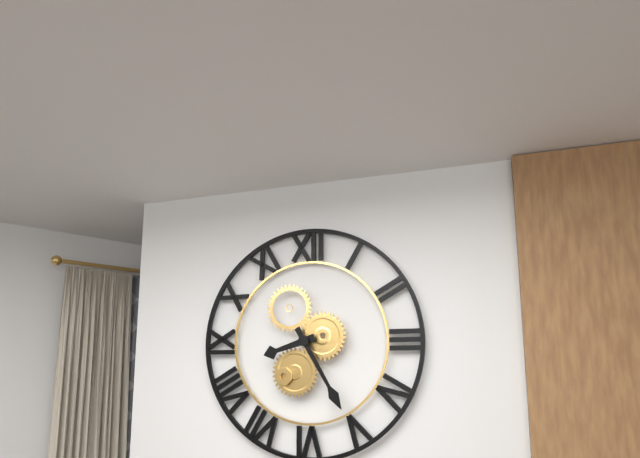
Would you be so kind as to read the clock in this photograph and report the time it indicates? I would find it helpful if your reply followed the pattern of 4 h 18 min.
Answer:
8 h 25 min
